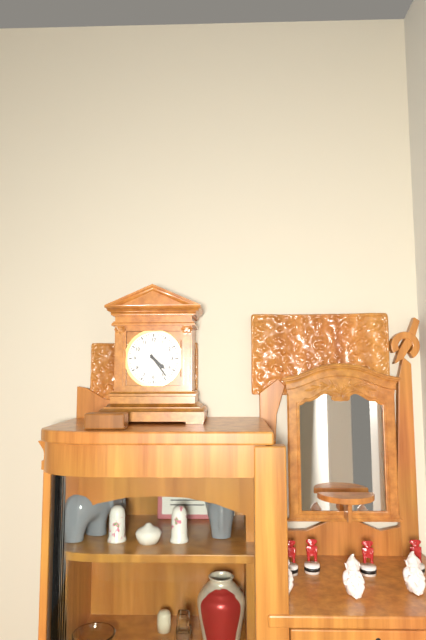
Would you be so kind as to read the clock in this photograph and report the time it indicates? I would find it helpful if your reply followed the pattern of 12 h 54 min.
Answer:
4 h 24 min
